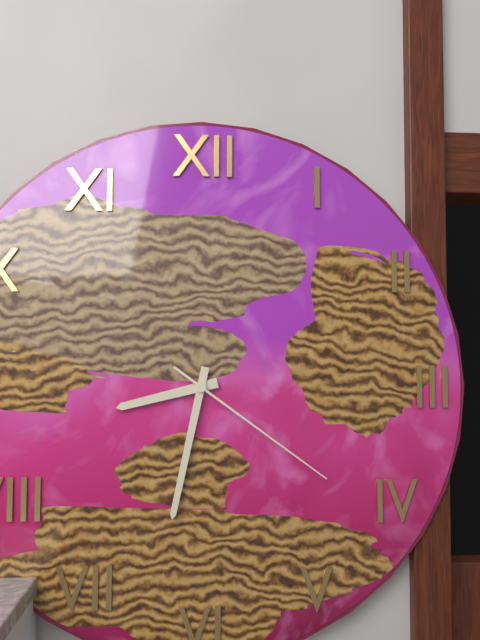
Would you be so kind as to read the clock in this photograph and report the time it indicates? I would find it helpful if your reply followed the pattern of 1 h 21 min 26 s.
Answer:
8 h 32 min 21 s
